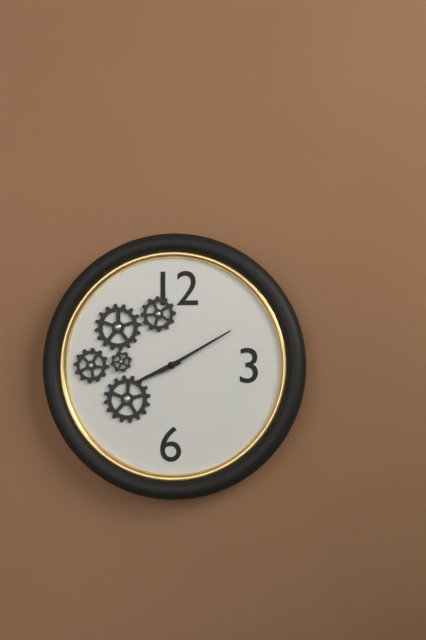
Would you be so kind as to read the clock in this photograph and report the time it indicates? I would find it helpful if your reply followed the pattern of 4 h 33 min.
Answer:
8 h 10 min
